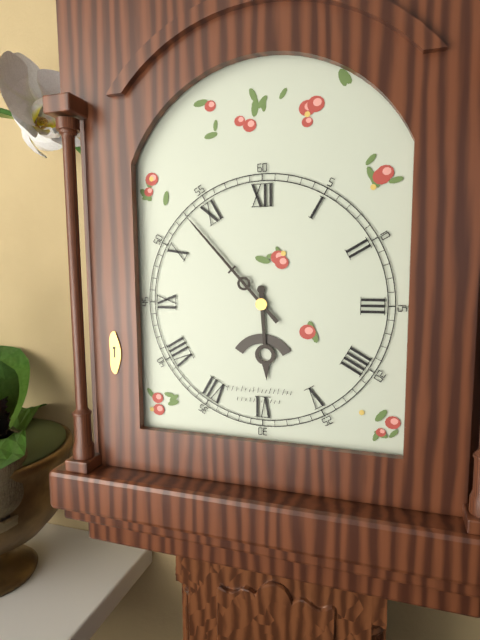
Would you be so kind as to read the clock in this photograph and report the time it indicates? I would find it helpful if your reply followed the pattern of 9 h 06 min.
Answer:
5 h 53 min
